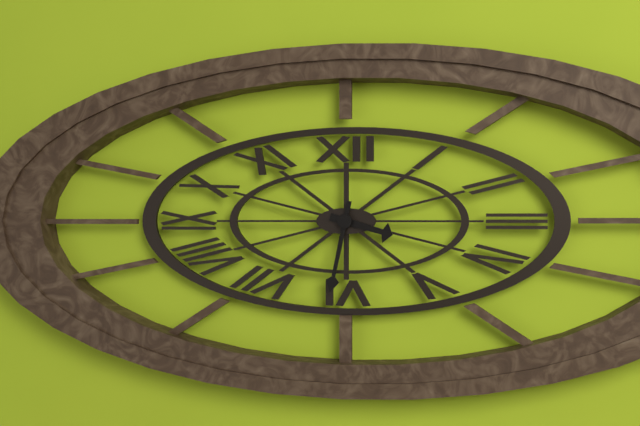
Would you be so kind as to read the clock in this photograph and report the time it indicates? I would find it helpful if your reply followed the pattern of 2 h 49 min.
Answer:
3 h 32 min
